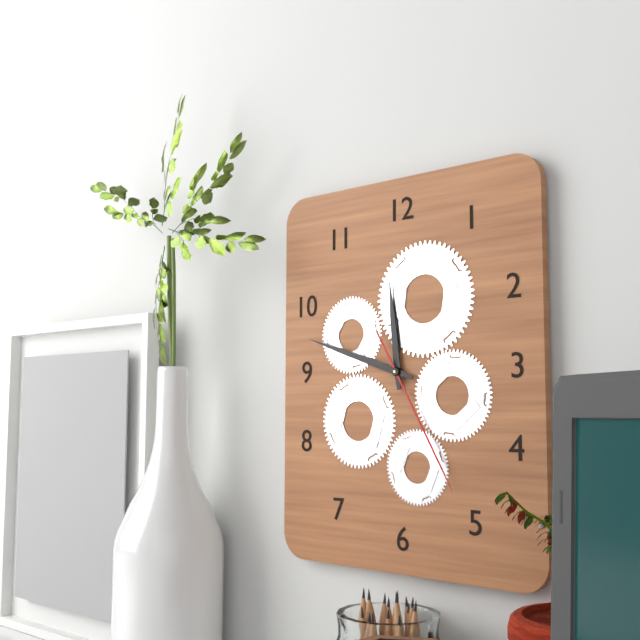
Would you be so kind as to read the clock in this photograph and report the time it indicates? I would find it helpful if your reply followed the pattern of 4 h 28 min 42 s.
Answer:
11 h 48 min 25 s
